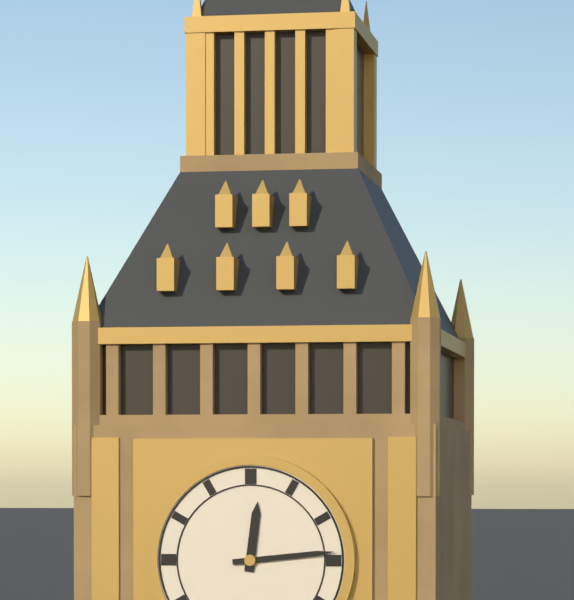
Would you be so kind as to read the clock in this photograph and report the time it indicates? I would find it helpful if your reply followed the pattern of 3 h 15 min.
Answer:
12 h 14 min
